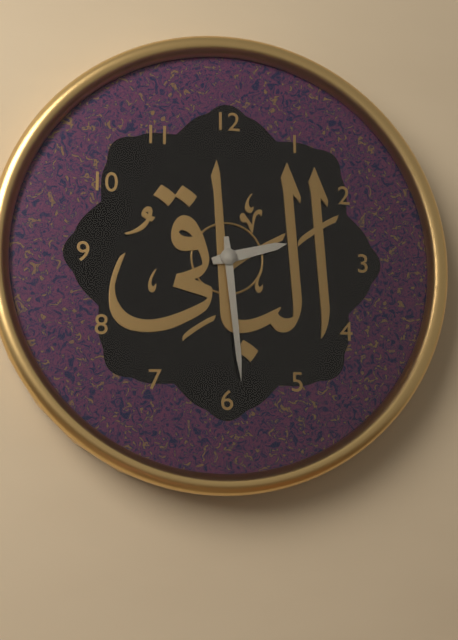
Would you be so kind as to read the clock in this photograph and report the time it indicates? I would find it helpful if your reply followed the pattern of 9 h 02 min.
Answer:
2 h 29 min
